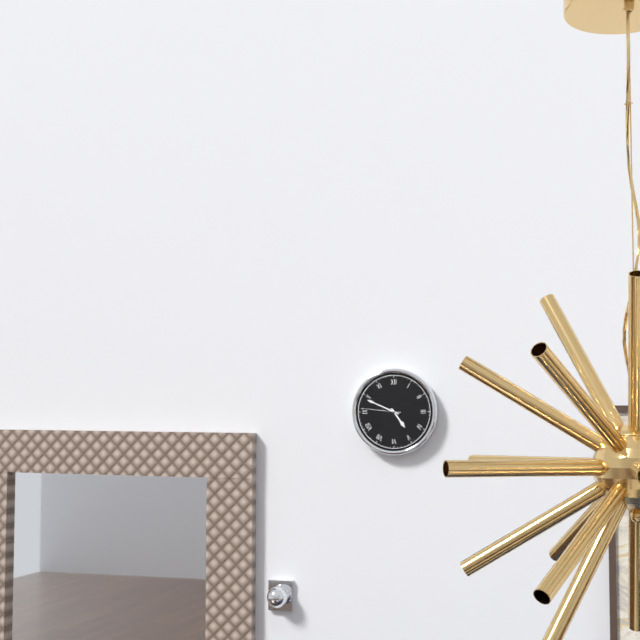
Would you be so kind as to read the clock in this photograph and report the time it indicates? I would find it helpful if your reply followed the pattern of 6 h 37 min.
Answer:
4 h 49 min
